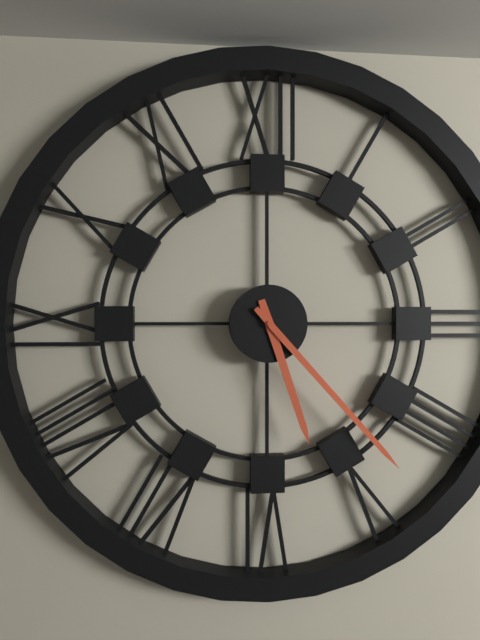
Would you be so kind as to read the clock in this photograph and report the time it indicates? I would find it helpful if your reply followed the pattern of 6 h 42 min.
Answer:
5 h 23 min
